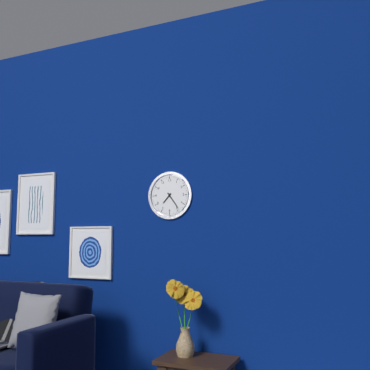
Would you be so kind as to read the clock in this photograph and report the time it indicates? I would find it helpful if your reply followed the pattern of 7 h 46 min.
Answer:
7 h 24 min
